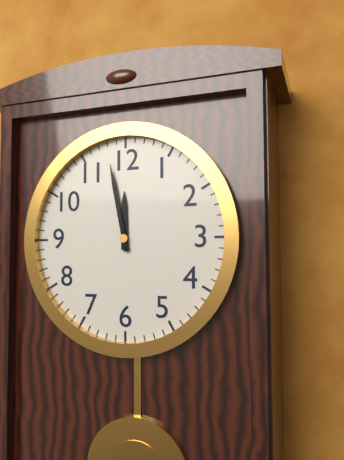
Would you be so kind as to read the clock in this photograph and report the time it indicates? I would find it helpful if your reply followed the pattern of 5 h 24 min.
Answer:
11 h 58 min
